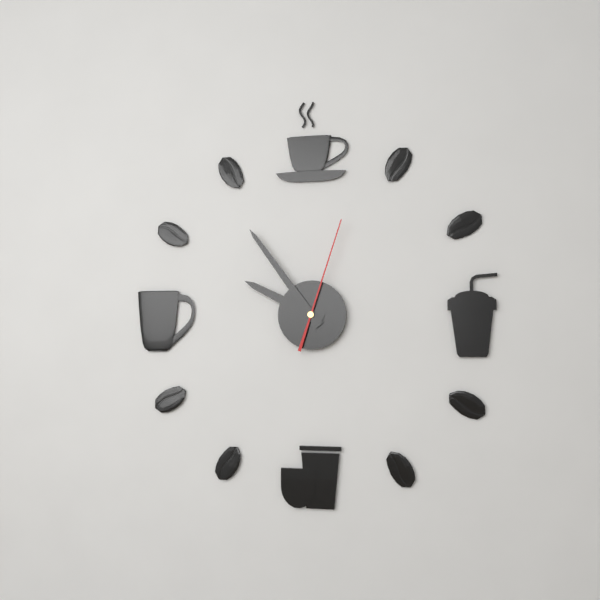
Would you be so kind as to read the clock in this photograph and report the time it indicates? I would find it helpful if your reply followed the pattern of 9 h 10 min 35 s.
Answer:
9 h 54 min 03 s
